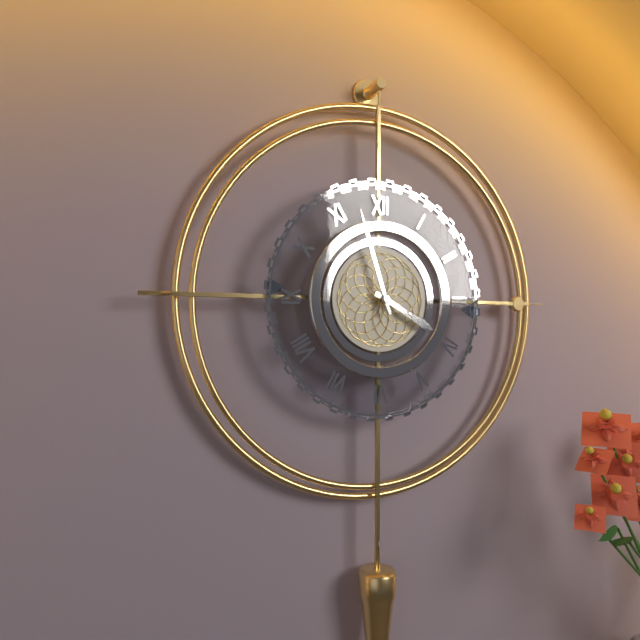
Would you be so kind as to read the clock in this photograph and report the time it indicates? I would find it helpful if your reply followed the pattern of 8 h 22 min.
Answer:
3 h 57 min
